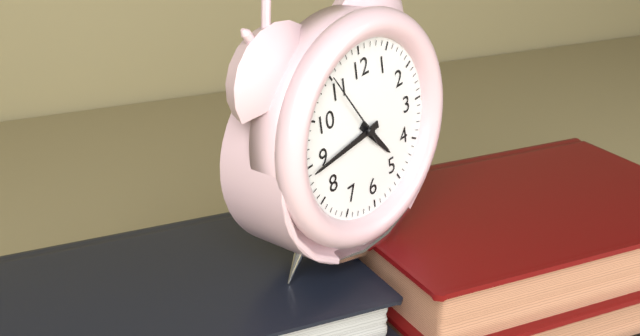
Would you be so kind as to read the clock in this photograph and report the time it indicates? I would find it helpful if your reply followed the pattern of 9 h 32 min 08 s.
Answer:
4 h 44 min 55 s
